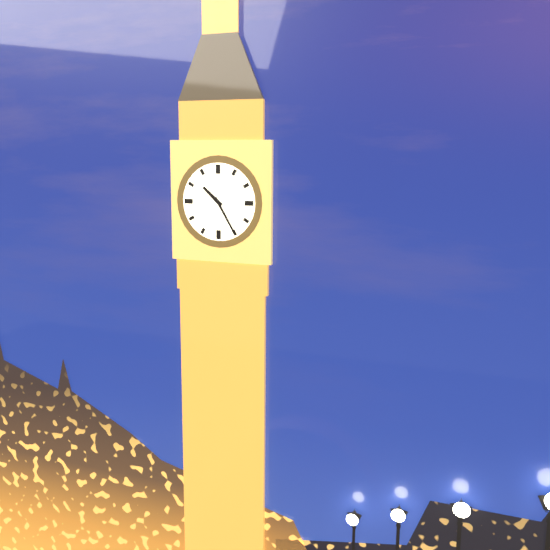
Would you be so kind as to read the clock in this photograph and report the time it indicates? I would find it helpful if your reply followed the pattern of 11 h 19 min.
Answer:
10 h 25 min
